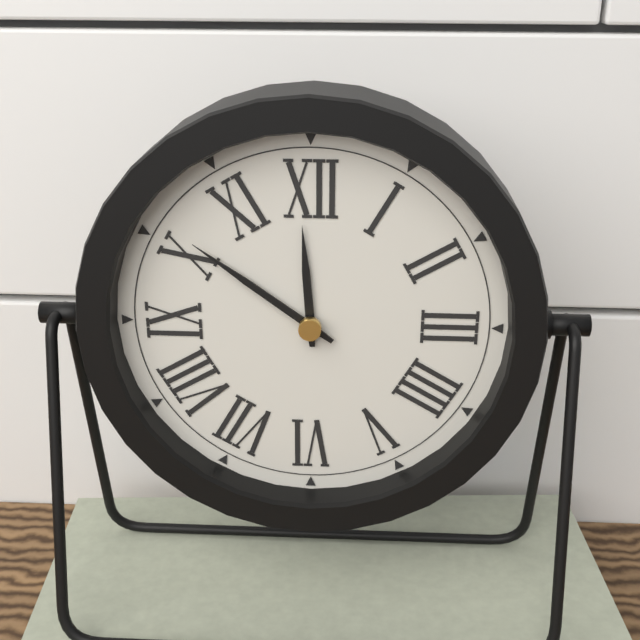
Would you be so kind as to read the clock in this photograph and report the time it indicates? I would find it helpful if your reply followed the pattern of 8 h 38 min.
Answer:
11 h 51 min
